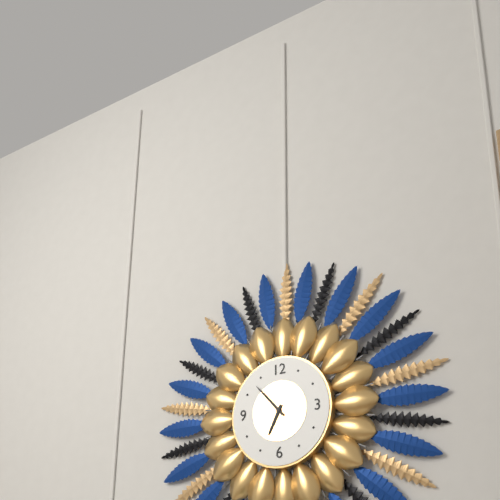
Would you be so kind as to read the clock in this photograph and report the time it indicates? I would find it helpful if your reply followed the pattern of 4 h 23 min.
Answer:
6 h 53 min
